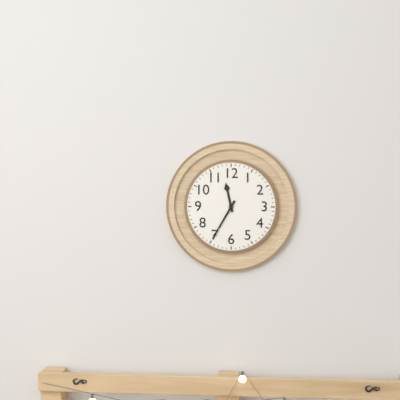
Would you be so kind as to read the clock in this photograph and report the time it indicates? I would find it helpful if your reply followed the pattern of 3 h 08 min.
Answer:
11 h 35 min
